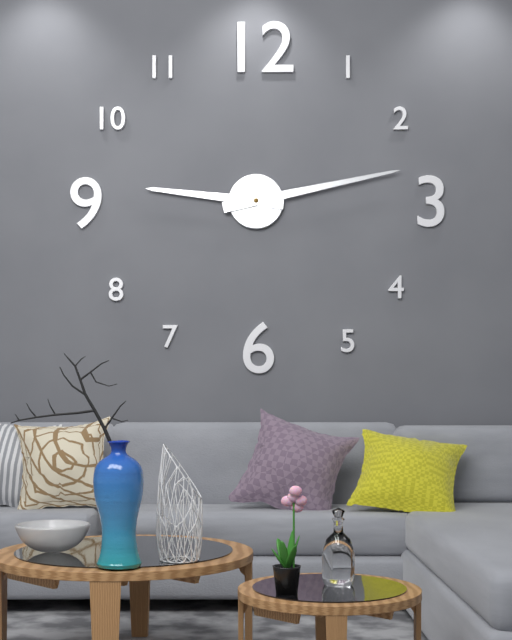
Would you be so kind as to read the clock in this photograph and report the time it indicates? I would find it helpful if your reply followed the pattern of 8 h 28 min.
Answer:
9 h 13 min
